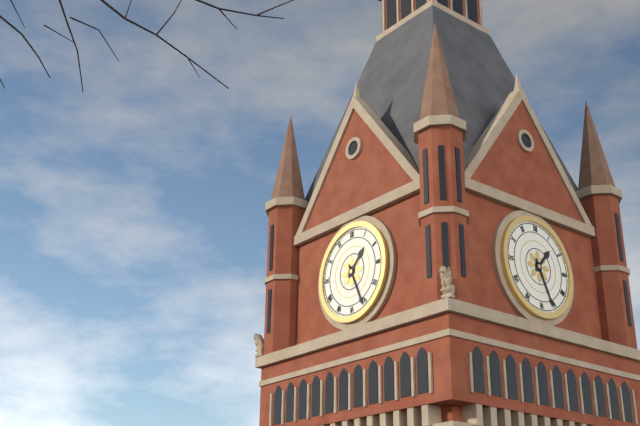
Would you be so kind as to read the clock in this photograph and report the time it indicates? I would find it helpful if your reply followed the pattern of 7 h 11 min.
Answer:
1 h 26 min
